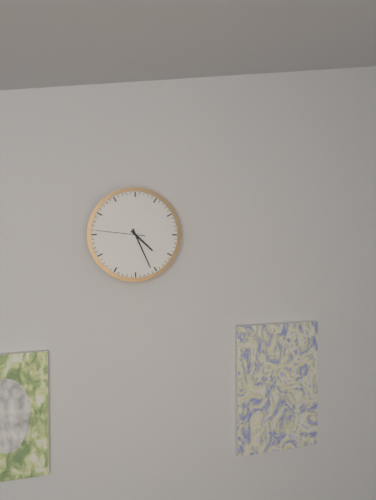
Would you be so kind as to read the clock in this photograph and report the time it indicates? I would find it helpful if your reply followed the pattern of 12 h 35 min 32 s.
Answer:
4 h 26 min 46 s
